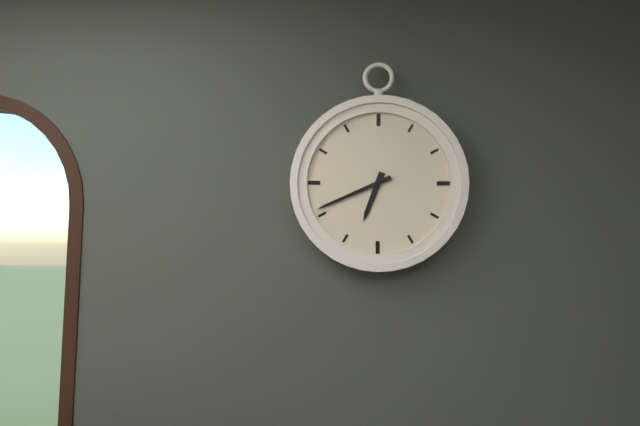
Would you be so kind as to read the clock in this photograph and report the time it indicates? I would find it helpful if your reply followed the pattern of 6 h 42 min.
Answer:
6 h 41 min
